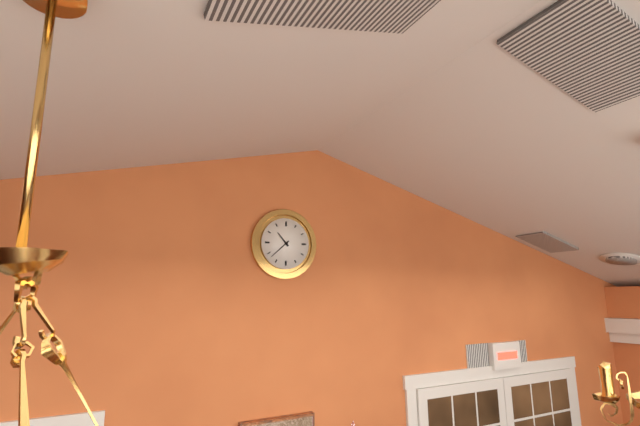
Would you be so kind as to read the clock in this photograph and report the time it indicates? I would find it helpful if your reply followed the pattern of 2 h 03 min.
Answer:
10 h 38 min
